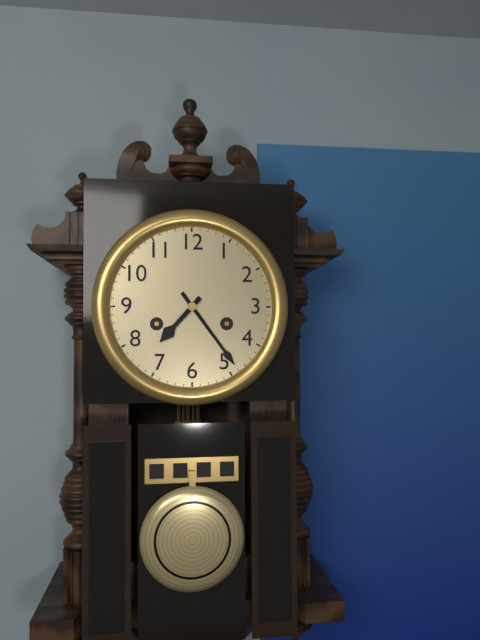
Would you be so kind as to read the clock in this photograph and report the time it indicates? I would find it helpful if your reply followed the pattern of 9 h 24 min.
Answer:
7 h 24 min
